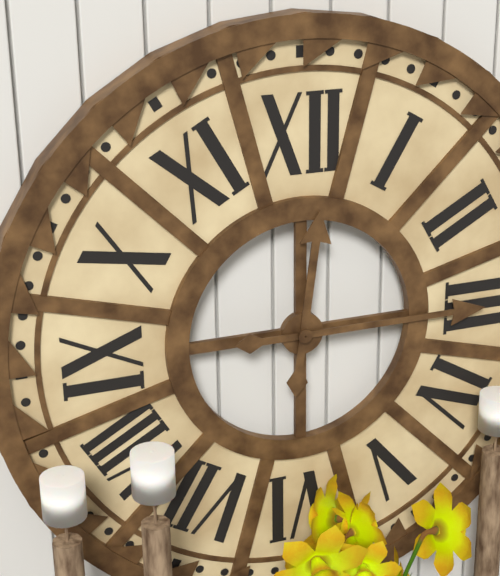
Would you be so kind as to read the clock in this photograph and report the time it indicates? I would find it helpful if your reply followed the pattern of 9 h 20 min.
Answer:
12 h 15 min
